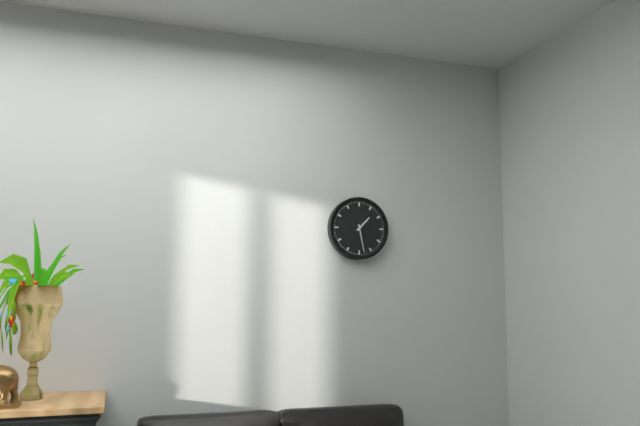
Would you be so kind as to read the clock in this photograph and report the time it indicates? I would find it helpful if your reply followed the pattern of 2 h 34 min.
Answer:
1 h 28 min
